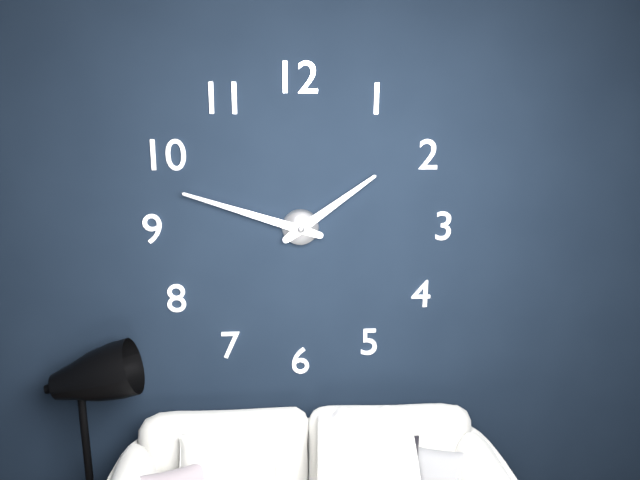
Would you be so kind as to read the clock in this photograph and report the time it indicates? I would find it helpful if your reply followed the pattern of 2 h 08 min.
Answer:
1 h 48 min
